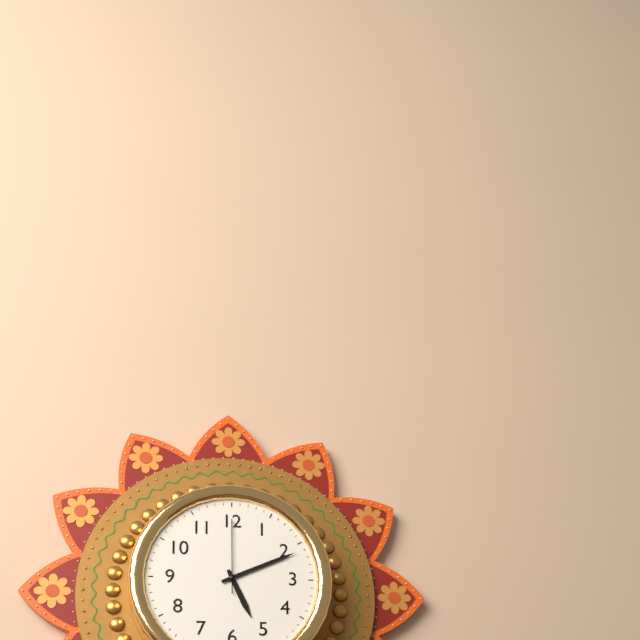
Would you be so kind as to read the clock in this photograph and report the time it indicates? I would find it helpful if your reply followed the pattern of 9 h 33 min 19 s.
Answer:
5 h 11 min 00 s
